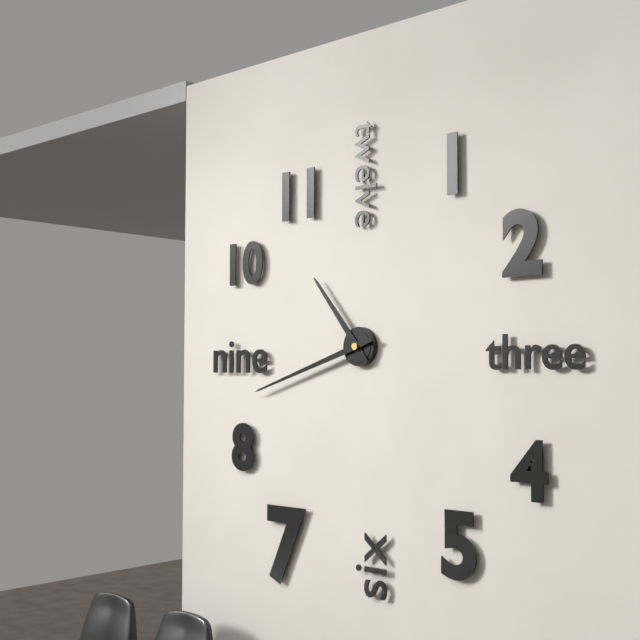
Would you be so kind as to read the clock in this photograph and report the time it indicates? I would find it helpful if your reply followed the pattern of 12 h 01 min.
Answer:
10 h 42 min
